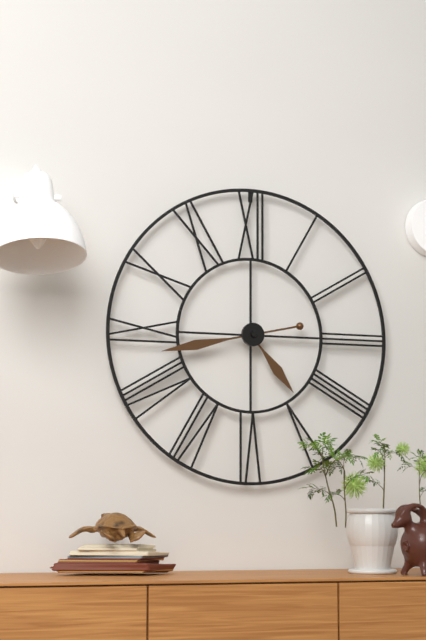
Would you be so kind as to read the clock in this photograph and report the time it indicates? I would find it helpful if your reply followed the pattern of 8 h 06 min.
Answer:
4 h 43 min
